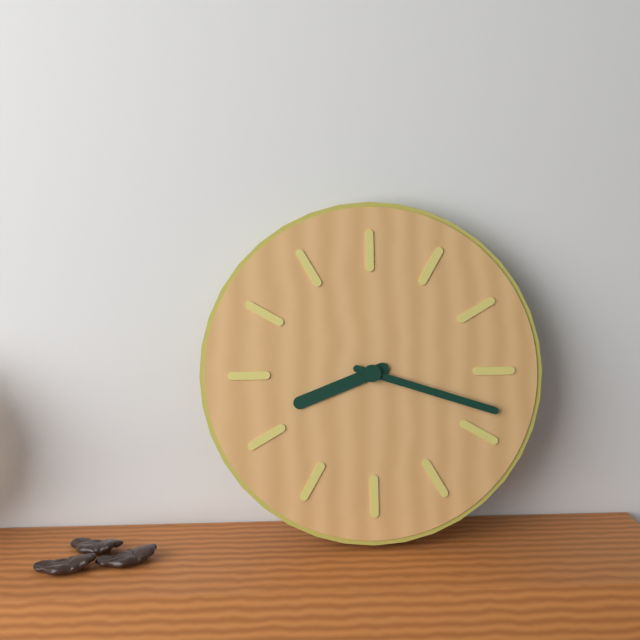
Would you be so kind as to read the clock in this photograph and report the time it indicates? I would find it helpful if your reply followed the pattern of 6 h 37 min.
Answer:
8 h 18 min
